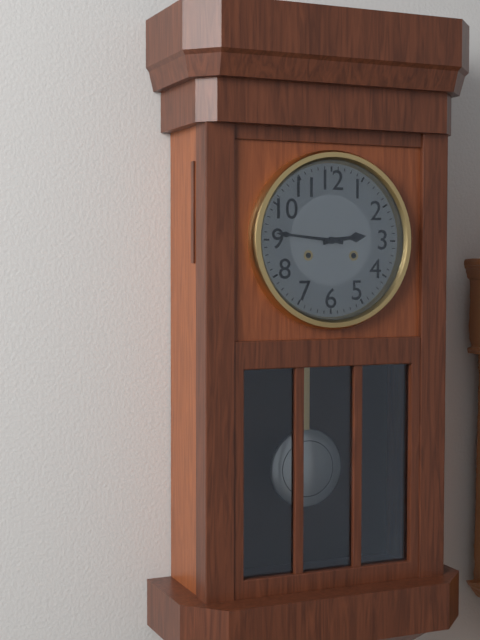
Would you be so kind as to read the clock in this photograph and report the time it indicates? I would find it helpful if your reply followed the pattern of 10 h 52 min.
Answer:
2 h 46 min
